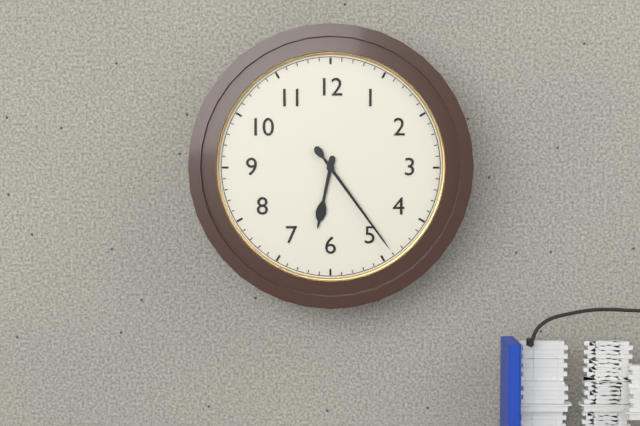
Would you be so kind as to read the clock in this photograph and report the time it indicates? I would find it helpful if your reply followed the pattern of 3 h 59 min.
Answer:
6 h 24 min
